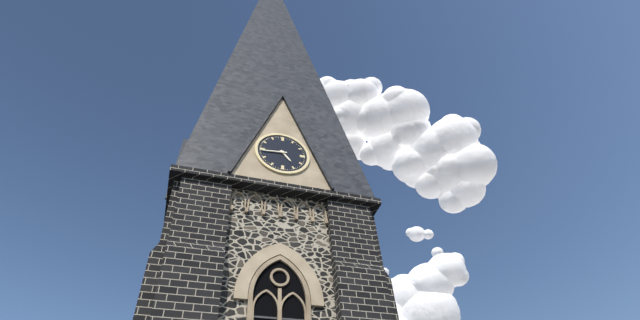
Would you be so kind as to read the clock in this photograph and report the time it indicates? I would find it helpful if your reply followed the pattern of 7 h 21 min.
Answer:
4 h 44 min
